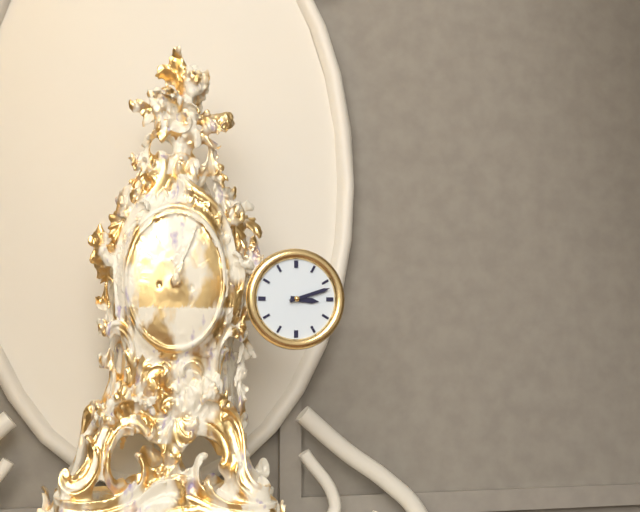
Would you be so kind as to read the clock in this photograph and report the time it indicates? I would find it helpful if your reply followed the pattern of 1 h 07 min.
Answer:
3 h 12 min
